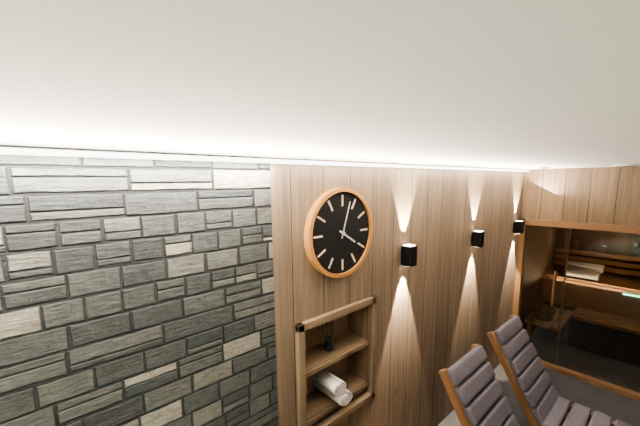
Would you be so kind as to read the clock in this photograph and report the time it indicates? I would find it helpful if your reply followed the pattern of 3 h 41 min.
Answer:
4 h 03 min
